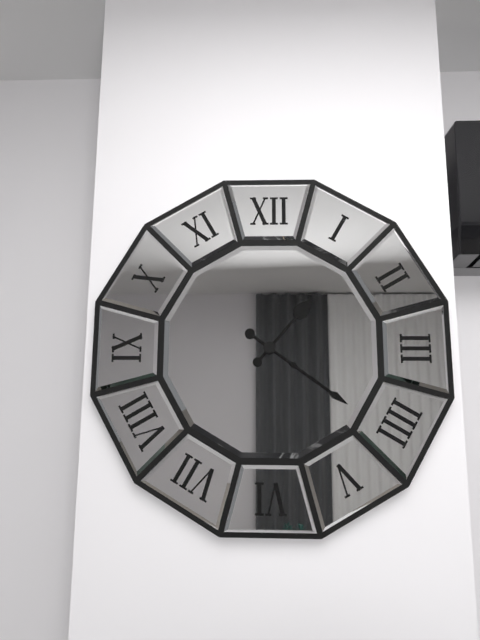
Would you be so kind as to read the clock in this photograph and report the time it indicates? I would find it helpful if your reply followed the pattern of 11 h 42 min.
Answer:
1 h 21 min
